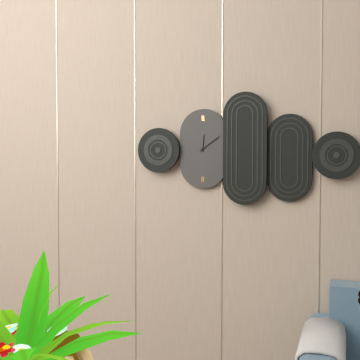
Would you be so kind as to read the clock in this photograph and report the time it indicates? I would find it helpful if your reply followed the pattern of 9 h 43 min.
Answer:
12 h 09 min
